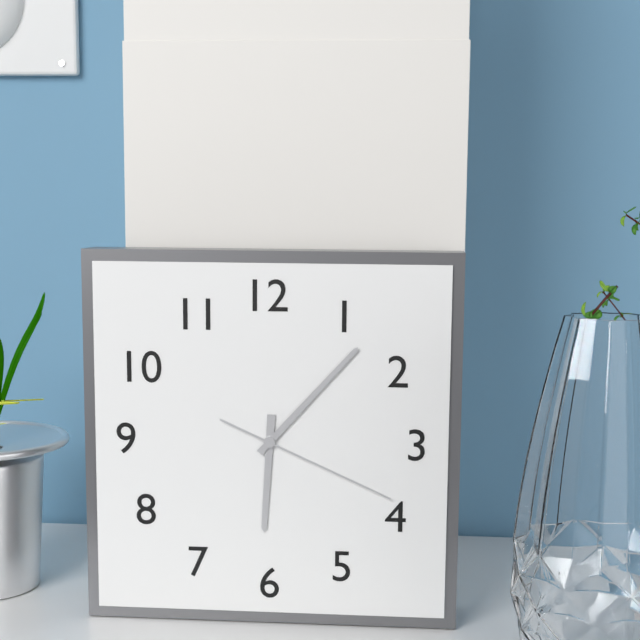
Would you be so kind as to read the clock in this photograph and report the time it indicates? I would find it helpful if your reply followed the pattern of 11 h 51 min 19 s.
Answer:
6 h 07 min 19 s
